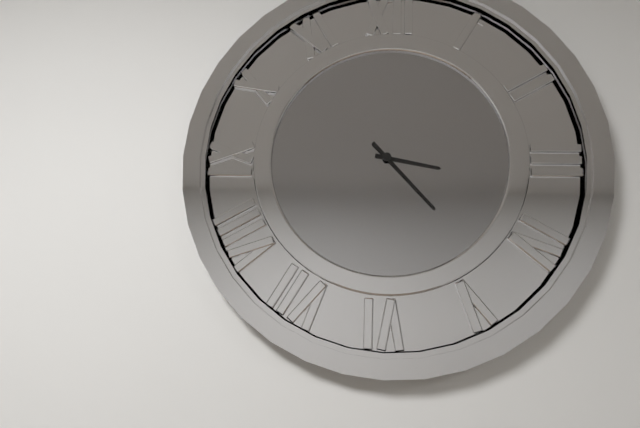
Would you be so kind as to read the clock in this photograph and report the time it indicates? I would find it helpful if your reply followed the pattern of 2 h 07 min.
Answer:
3 h 23 min
